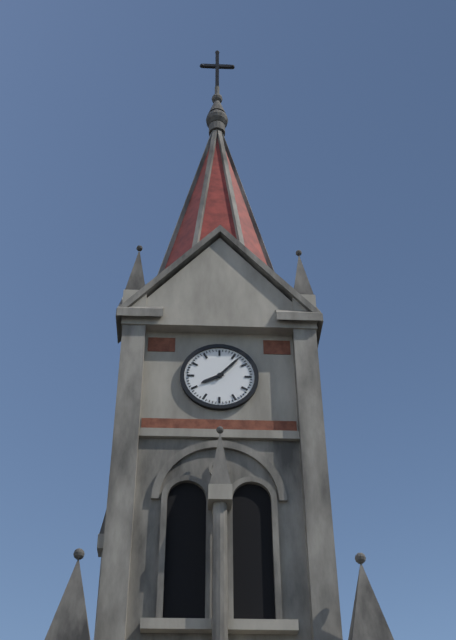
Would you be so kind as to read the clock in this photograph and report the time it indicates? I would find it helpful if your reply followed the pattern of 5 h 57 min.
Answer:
8 h 07 min
